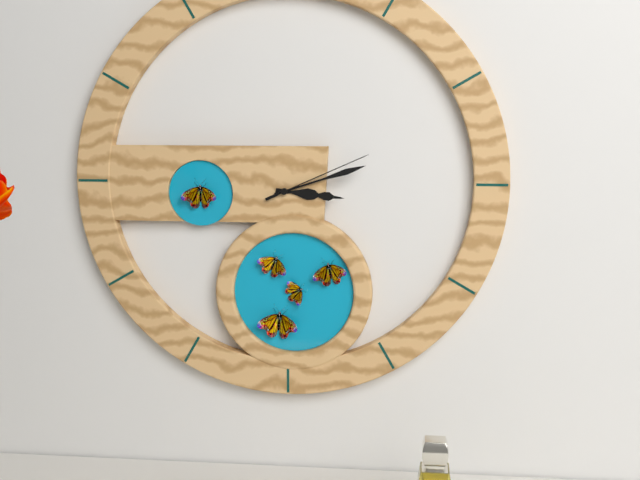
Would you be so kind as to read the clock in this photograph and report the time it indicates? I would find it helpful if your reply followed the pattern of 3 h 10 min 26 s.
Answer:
3 h 12 min 11 s
